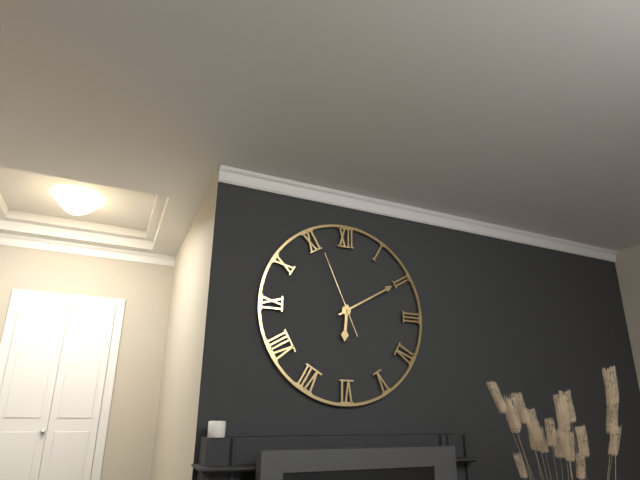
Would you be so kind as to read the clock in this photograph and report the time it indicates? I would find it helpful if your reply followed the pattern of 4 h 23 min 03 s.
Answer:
6 h 10 min 56 s
